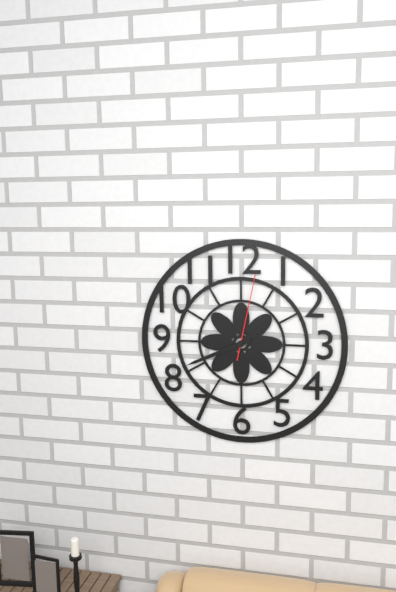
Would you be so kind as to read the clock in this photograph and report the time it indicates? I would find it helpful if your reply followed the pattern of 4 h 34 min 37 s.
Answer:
1 h 41 min 02 s
